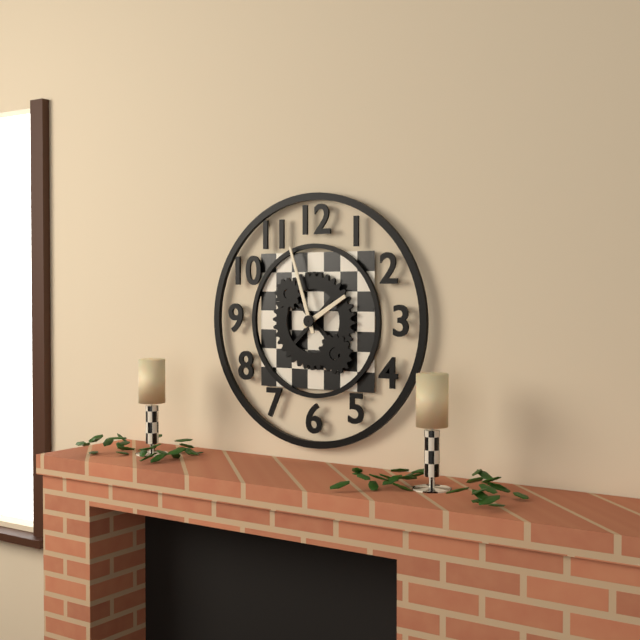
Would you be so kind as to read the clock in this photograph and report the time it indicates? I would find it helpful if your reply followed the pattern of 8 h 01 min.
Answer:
1 h 57 min
